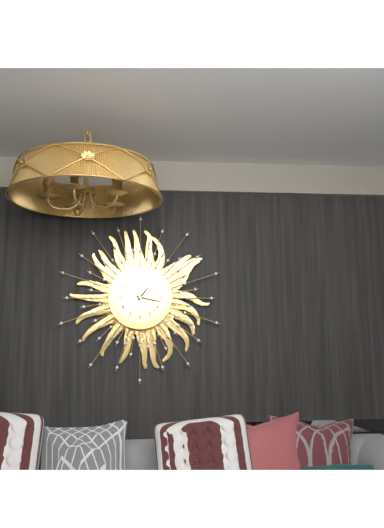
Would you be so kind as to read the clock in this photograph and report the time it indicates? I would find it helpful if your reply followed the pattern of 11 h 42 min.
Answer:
1 h 17 min
